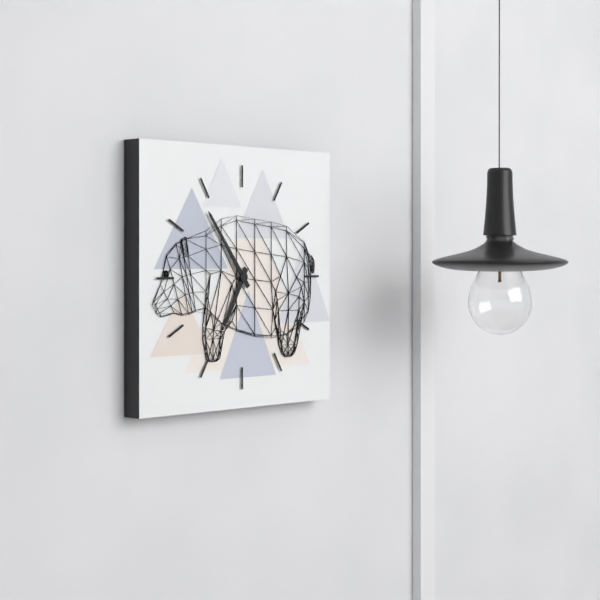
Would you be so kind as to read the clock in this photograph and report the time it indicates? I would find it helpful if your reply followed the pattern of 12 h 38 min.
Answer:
6 h 54 min
